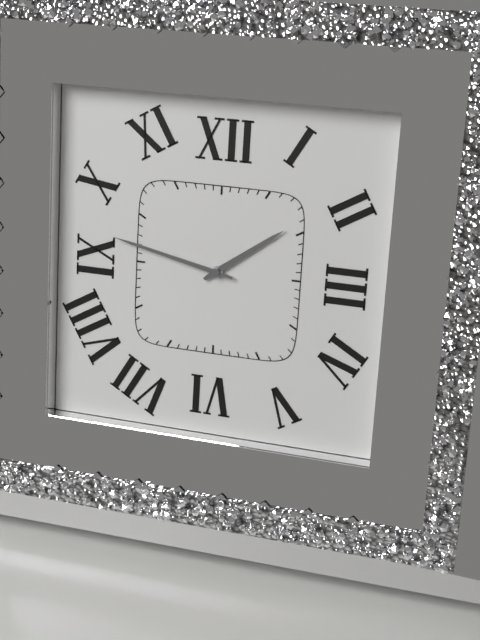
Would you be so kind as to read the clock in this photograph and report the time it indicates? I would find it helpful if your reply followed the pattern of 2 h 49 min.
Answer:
1 h 47 min
